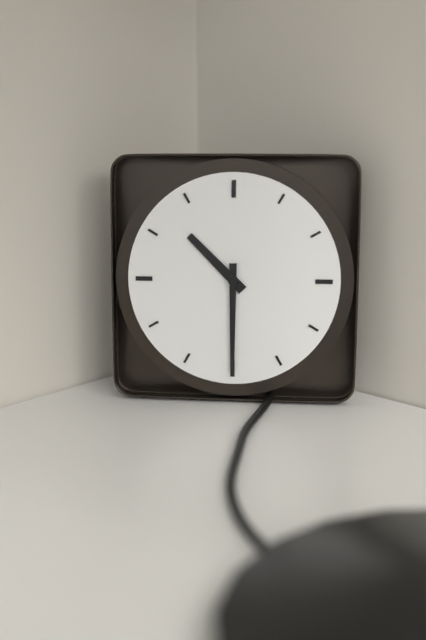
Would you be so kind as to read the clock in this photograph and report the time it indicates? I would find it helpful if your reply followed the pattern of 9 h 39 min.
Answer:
10 h 30 min
